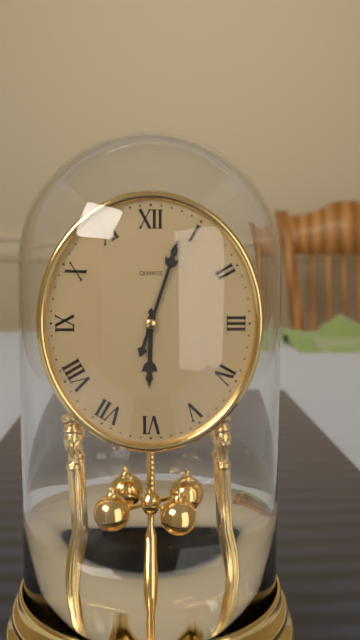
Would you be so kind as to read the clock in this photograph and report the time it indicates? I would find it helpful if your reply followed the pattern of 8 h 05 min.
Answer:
6 h 03 min
